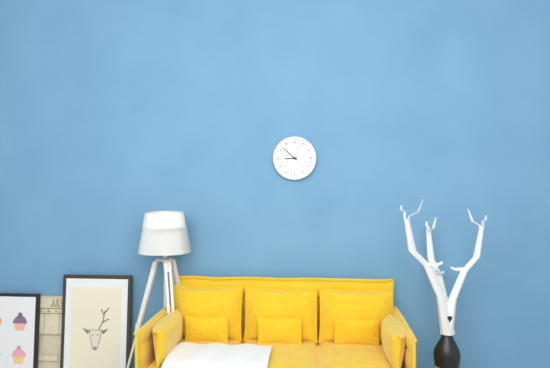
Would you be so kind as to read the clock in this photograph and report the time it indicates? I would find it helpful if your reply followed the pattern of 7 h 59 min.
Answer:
8 h 52 min
